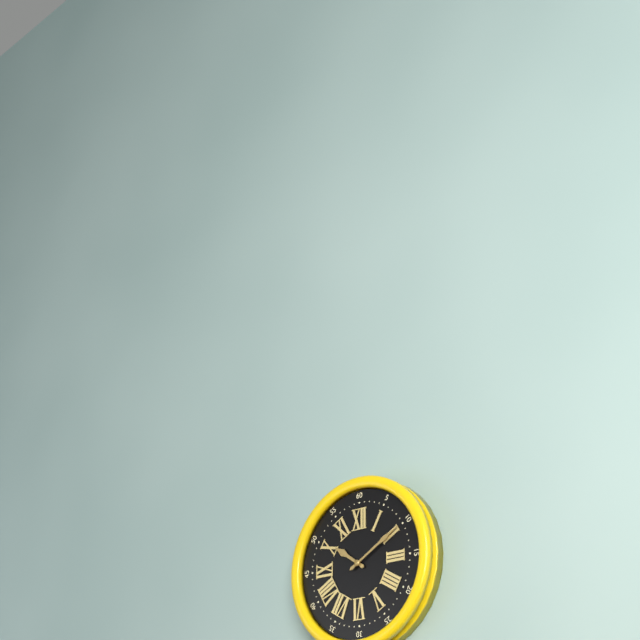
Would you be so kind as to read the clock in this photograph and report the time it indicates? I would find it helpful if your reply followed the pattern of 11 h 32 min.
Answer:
10 h 10 min
